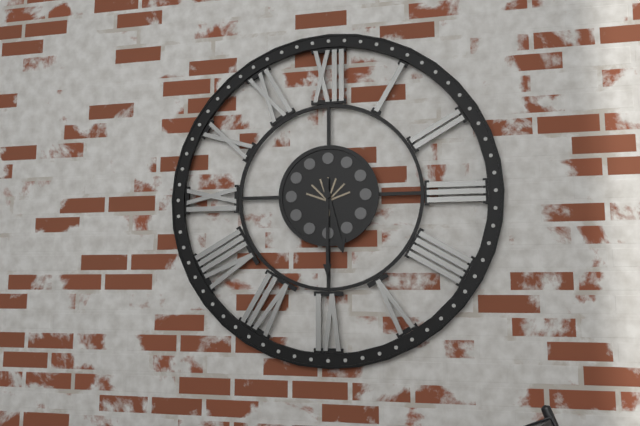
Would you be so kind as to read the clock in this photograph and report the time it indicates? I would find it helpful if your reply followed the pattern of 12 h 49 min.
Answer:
5 h 30 min
